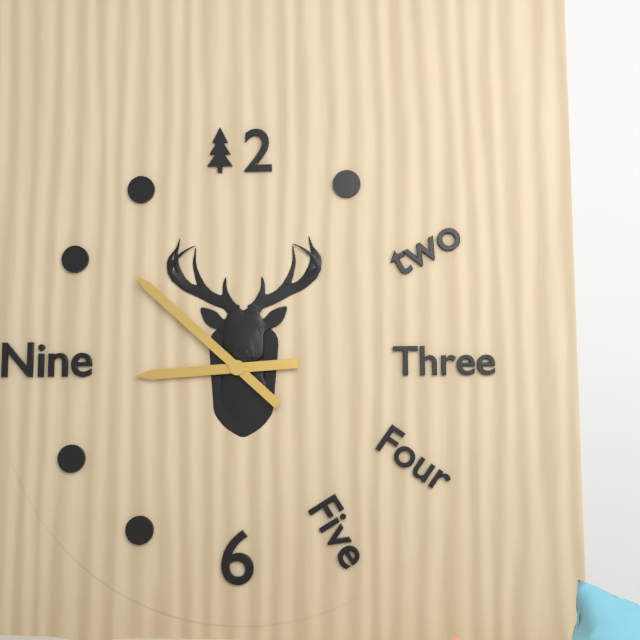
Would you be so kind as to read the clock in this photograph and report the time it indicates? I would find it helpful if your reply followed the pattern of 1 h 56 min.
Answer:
8 h 52 min
